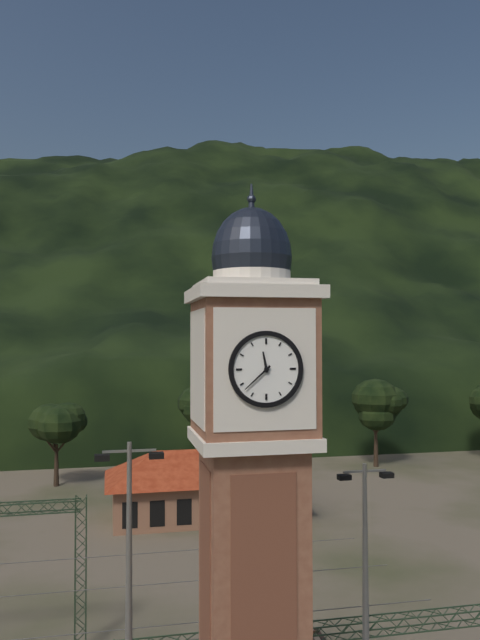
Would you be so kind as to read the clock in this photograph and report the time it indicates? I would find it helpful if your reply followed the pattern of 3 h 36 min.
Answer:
11 h 38 min
